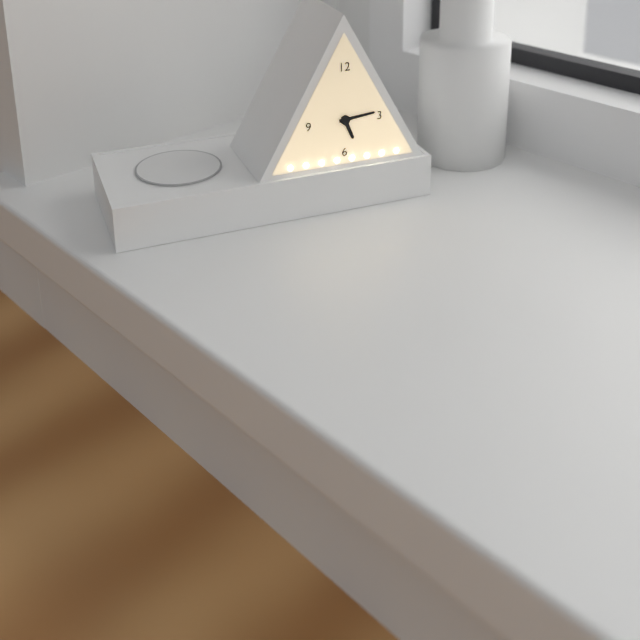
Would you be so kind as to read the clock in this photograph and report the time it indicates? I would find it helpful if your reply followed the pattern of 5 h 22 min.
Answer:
5 h 14 min
